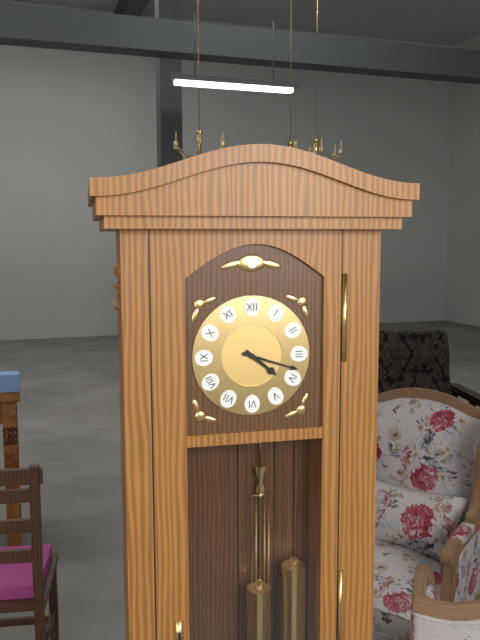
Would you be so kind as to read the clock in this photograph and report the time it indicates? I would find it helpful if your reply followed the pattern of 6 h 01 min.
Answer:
4 h 18 min
